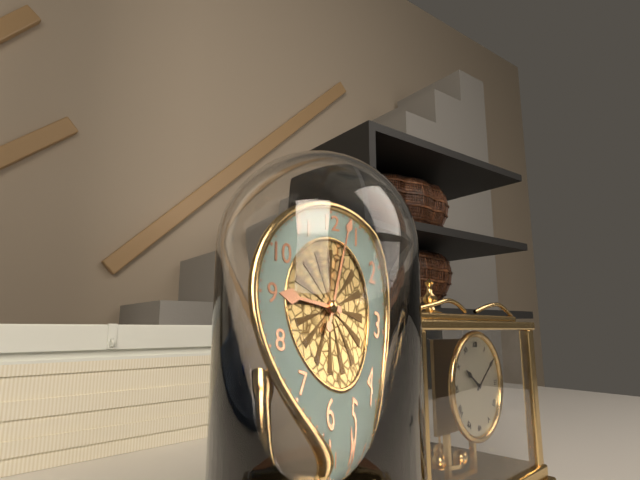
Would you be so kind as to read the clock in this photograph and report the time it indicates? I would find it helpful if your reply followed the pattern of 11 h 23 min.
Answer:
9 h 03 min
